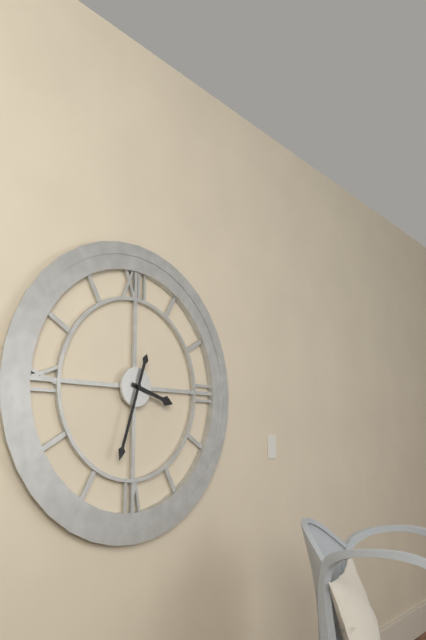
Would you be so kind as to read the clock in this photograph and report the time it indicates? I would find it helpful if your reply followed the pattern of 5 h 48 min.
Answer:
3 h 33 min
